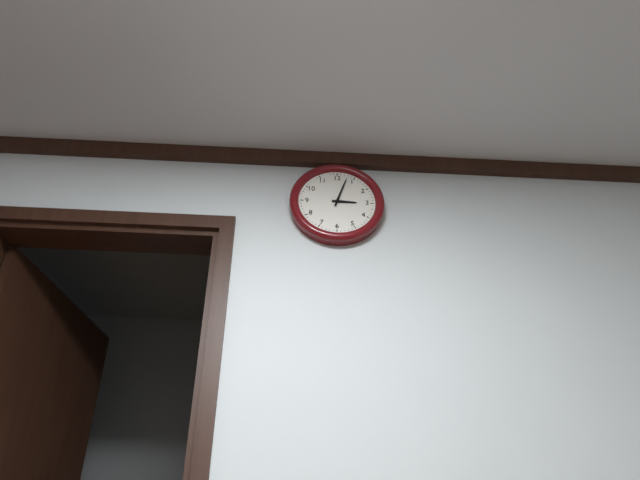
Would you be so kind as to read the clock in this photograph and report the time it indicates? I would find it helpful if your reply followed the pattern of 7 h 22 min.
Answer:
3 h 03 min
